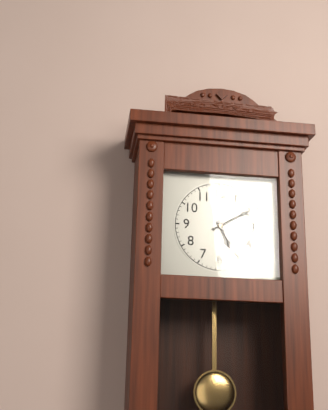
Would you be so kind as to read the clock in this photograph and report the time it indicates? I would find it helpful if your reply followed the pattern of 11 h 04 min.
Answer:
5 h 10 min
